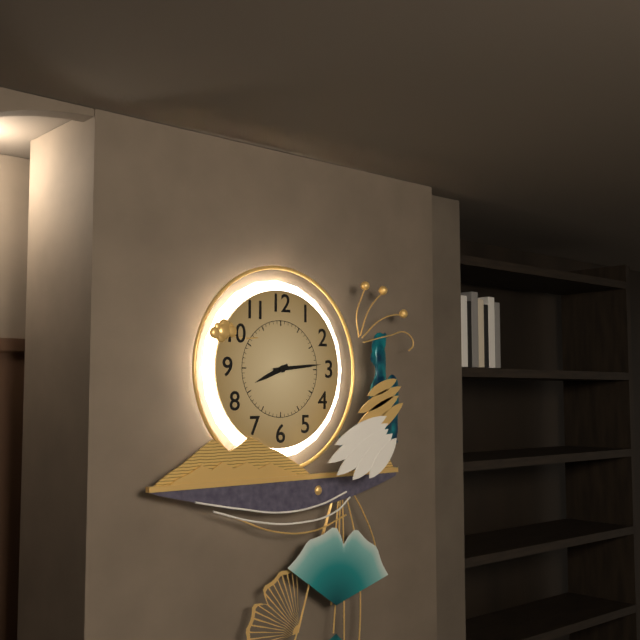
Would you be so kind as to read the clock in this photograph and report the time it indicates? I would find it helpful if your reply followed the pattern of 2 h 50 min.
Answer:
8 h 14 min
